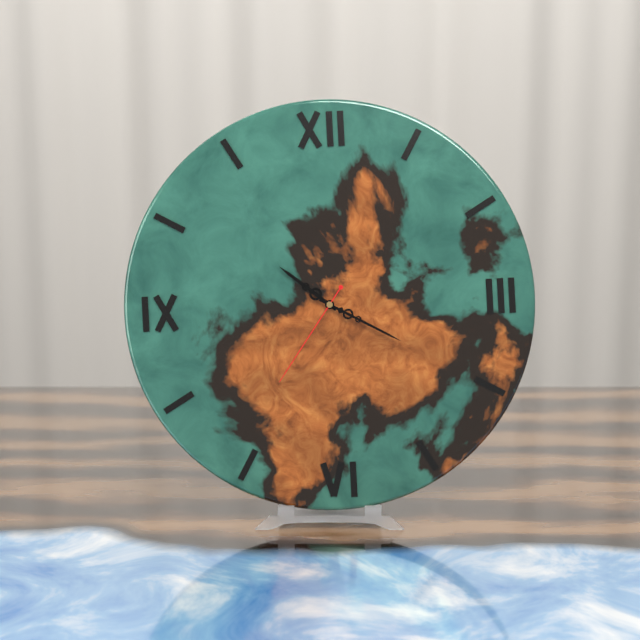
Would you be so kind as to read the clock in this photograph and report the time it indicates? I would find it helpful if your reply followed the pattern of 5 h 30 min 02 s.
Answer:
10 h 20 min 36 s
